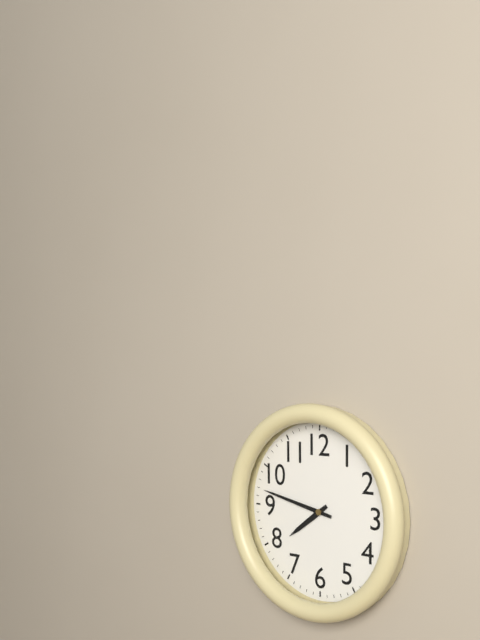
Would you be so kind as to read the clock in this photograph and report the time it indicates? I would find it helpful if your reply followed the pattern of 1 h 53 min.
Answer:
7 h 47 min
